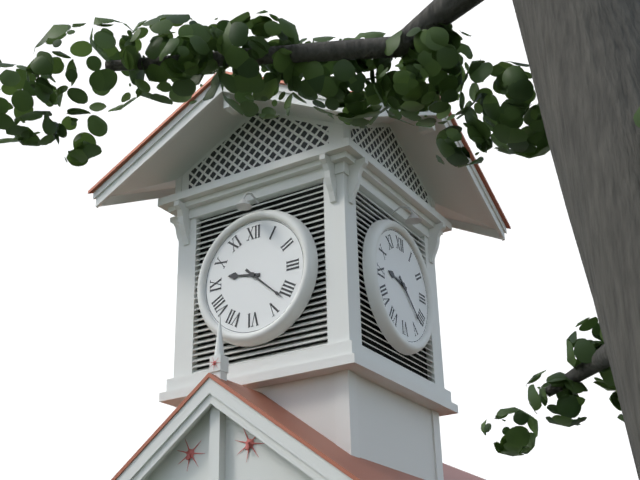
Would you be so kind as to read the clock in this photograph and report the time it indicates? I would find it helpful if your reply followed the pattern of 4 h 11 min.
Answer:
9 h 22 min
